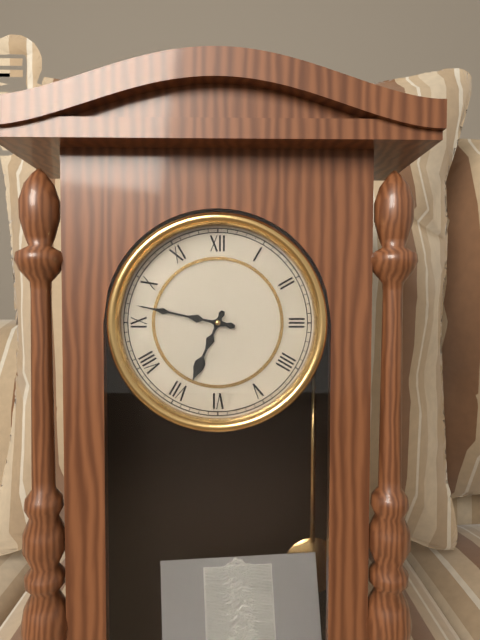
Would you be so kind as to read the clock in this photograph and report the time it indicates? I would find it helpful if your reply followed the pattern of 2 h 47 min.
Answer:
6 h 47 min
